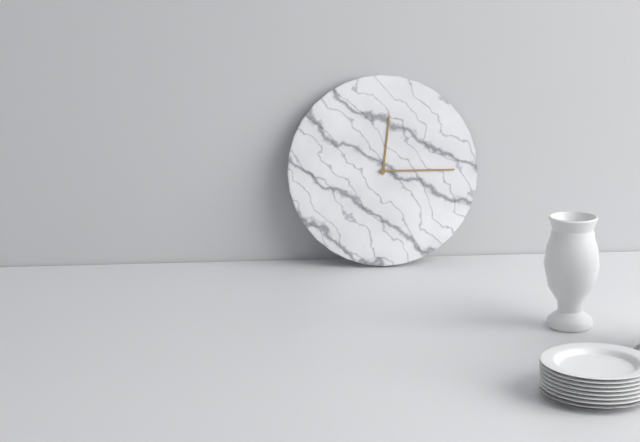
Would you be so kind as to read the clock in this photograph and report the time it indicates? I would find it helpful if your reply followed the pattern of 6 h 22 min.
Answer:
12 h 15 min
